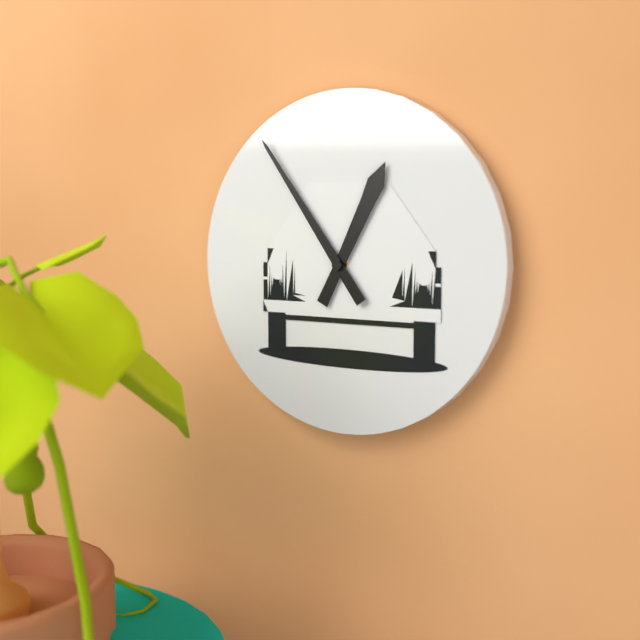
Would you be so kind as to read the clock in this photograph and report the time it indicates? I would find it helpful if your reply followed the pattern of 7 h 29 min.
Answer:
12 h 54 min
